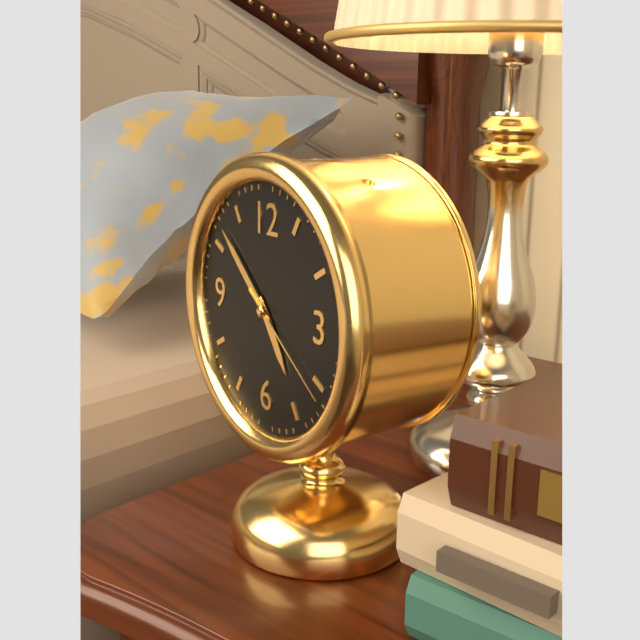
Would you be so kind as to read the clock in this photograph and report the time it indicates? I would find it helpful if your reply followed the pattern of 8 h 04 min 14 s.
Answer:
4 h 52 min 21 s
